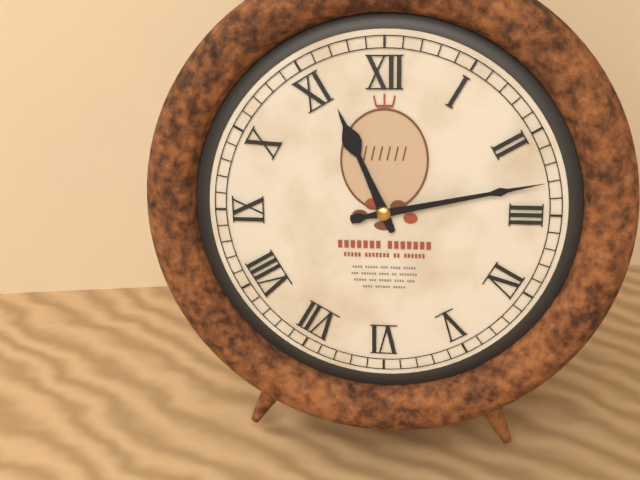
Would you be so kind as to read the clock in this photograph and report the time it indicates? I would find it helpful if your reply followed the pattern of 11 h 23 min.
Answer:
11 h 13 min
